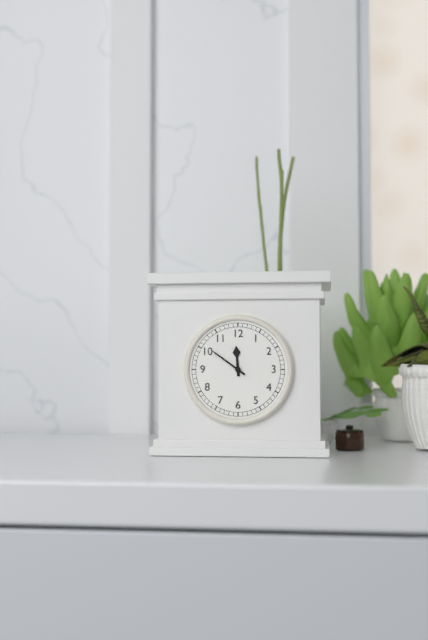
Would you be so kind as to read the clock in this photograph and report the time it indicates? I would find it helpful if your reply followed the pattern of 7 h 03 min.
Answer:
11 h 51 min
